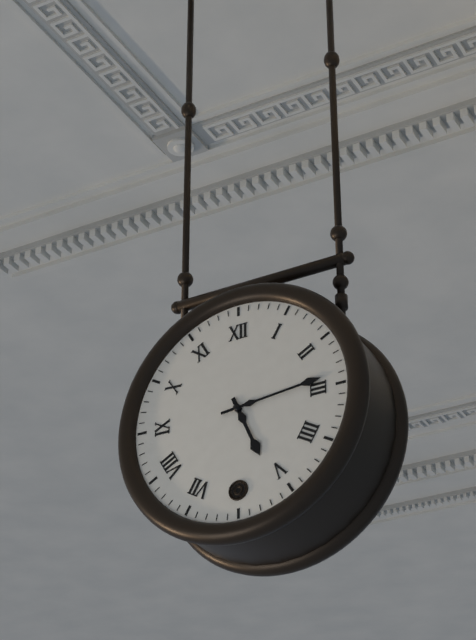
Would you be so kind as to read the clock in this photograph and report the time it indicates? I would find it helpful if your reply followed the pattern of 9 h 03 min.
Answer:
5 h 14 min
